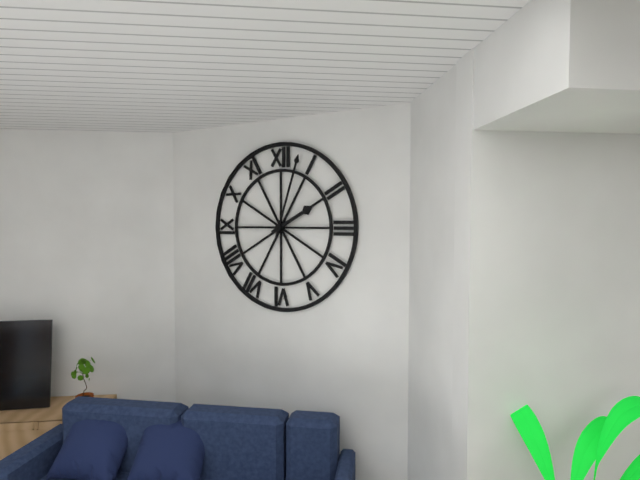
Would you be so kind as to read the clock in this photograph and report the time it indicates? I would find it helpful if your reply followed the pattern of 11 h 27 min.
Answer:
2 h 03 min
